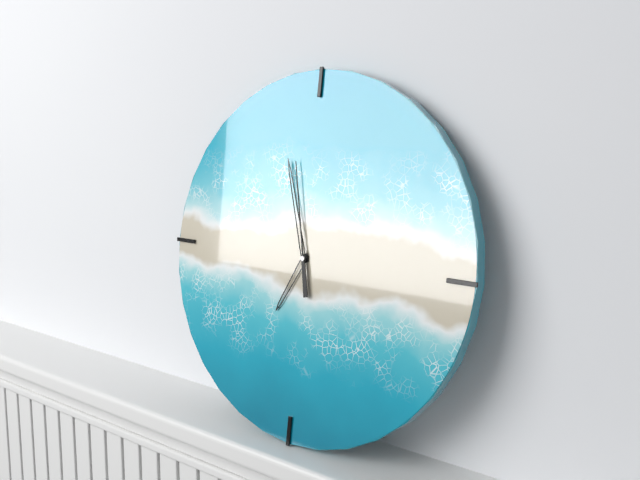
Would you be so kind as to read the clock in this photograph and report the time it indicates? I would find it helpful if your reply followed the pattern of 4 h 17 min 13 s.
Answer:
6 h 57 min 58 s
